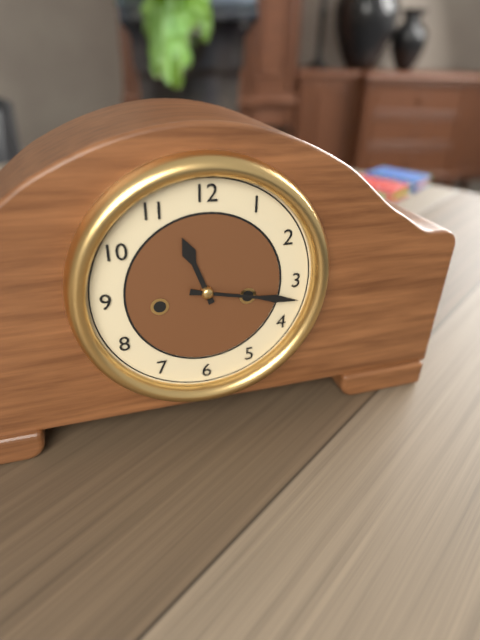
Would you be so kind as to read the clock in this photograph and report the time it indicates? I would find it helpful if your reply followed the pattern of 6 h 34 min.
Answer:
11 h 17 min
